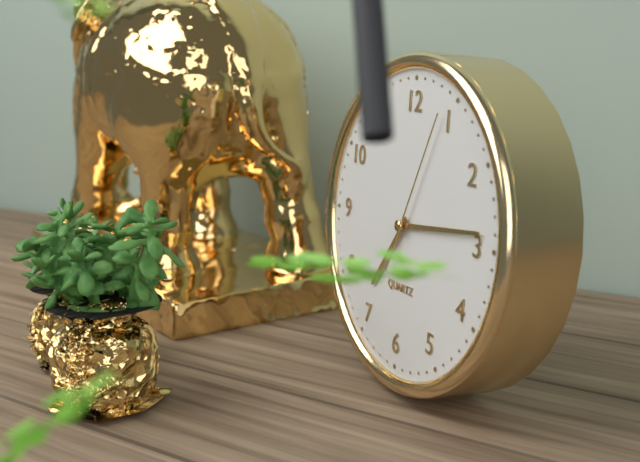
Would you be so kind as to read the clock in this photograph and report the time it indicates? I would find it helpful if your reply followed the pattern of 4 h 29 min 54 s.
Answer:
7 h 14 min 04 s
